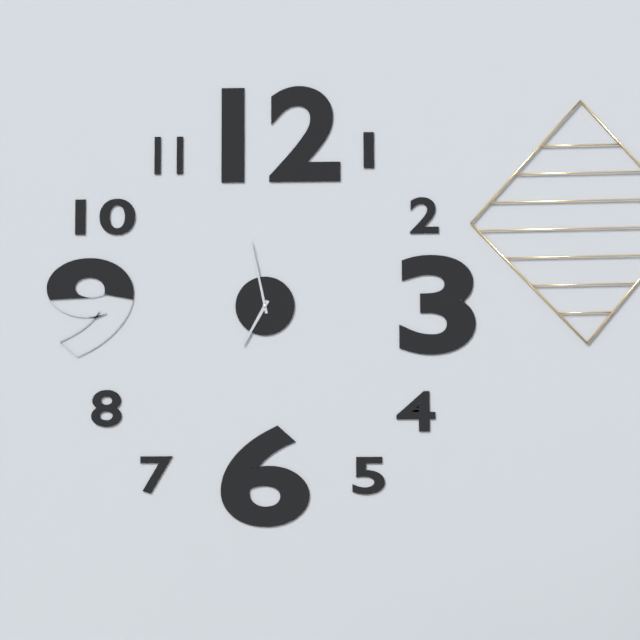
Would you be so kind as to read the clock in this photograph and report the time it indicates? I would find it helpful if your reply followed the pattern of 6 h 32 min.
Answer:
6 h 58 min
